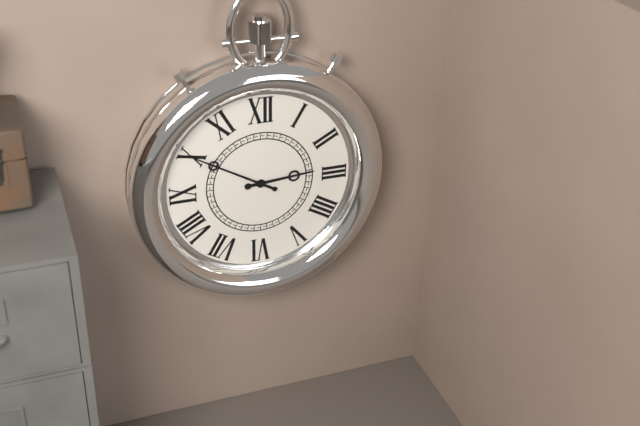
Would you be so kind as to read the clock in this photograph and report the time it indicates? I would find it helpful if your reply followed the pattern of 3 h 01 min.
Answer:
2 h 50 min
